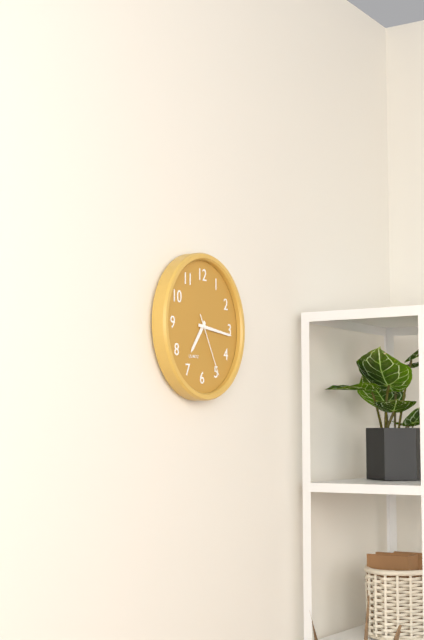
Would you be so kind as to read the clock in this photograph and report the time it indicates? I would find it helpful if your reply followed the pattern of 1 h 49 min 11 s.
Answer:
7 h 16 min 25 s
